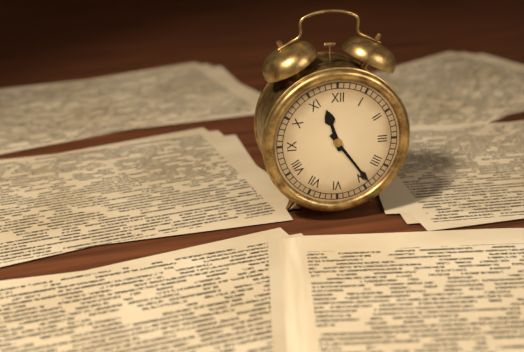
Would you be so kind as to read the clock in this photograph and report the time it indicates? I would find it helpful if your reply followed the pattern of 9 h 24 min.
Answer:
11 h 24 min
